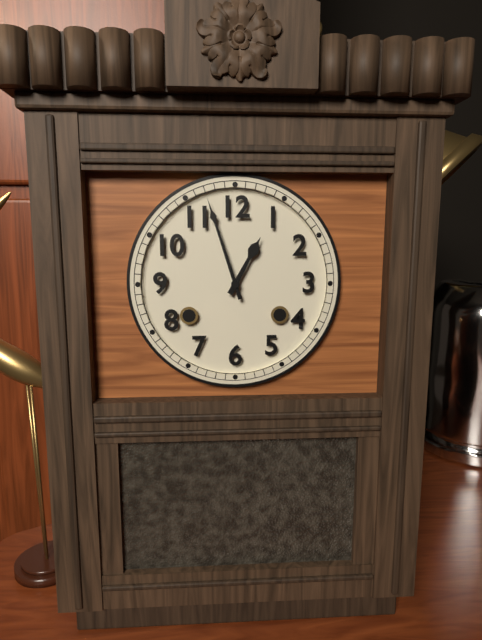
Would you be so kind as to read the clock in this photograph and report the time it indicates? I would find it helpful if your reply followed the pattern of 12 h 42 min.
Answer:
12 h 57 min
